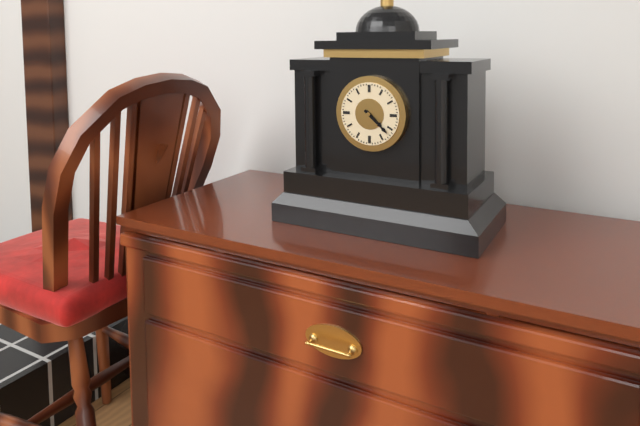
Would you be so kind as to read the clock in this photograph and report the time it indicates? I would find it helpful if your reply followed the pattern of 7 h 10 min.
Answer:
4 h 22 min
